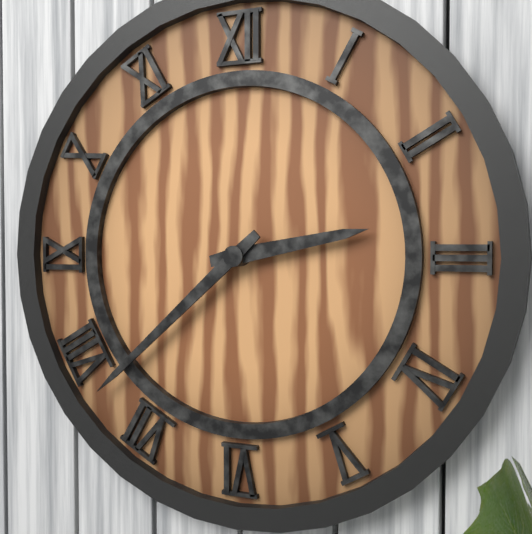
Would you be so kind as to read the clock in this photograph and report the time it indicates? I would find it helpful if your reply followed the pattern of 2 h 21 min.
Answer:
2 h 38 min
